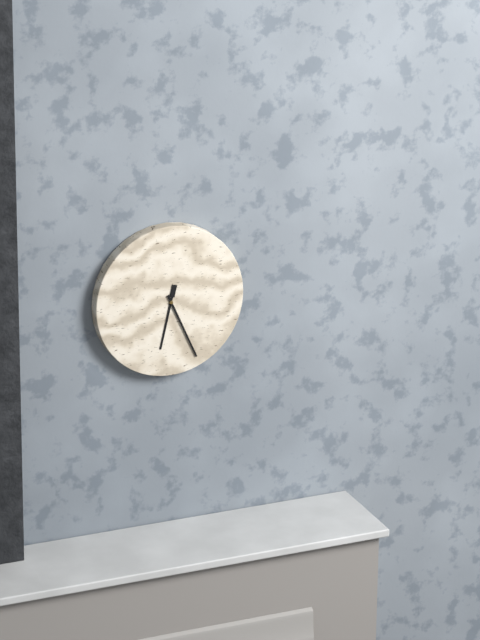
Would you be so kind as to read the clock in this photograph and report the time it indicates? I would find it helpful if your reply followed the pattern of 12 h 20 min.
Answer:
6 h 26 min
